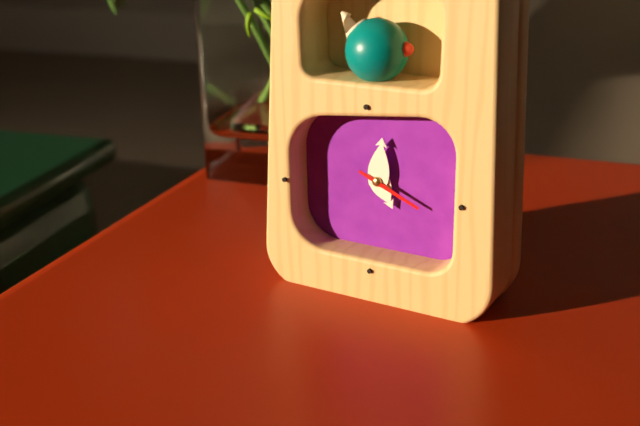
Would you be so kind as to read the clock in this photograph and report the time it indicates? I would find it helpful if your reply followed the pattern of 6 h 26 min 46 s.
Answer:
5 h 01 min 19 s
